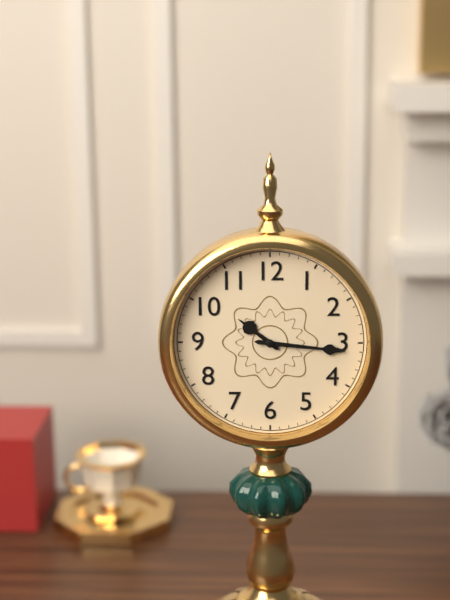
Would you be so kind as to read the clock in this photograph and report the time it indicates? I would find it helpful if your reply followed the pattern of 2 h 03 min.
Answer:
10 h 16 min
